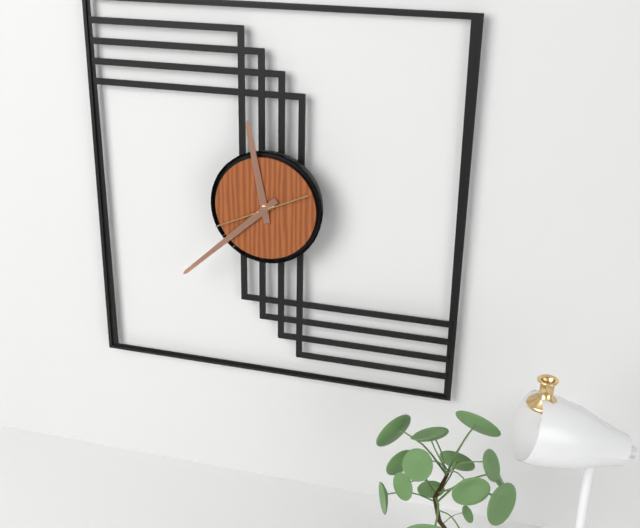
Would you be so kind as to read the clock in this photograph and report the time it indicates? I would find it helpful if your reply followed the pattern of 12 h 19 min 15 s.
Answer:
11 h 38 min 41 s
